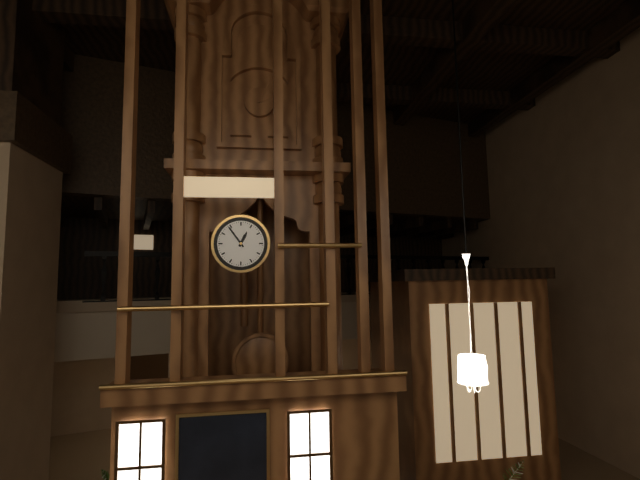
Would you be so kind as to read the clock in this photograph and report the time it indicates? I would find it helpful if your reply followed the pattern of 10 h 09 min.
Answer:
12 h 54 min
